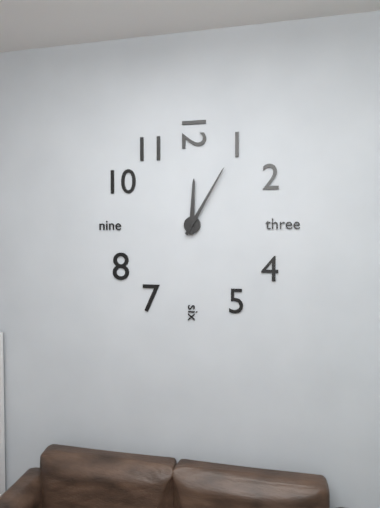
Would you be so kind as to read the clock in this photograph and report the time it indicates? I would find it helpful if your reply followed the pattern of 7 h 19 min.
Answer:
12 h 05 min
